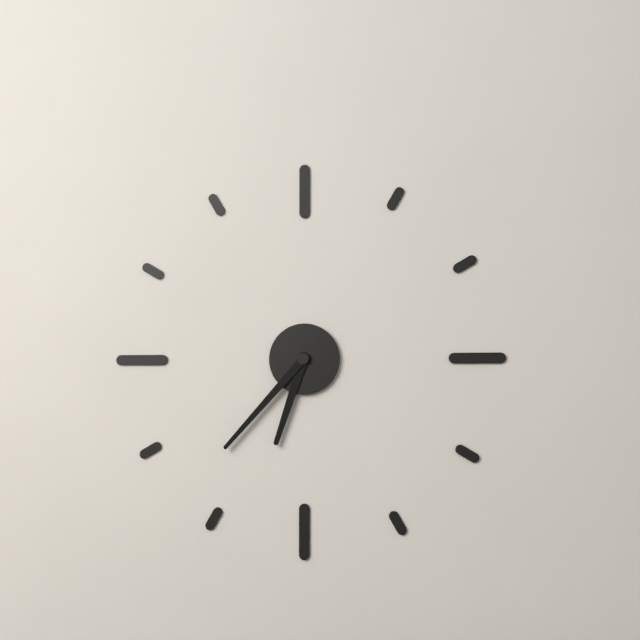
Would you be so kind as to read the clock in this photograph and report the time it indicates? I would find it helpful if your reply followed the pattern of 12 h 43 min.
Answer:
6 h 37 min
